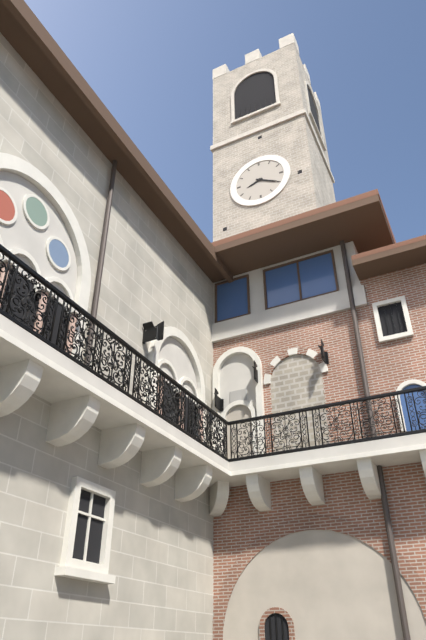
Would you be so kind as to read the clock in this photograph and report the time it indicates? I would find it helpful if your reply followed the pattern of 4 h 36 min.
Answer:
8 h 20 min
